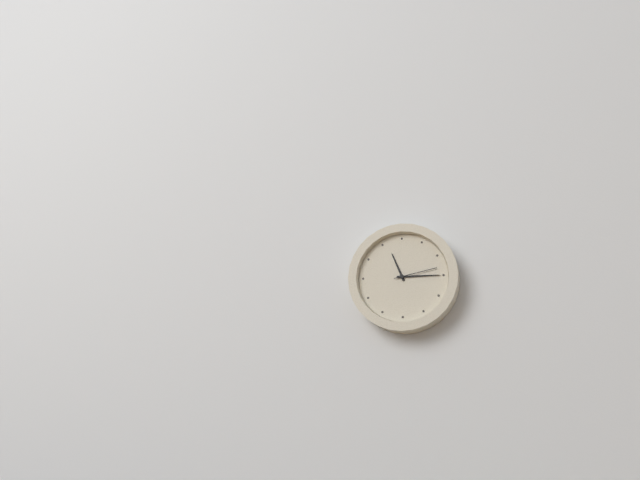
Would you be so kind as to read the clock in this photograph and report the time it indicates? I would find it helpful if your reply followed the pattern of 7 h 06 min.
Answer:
11 h 15 min
